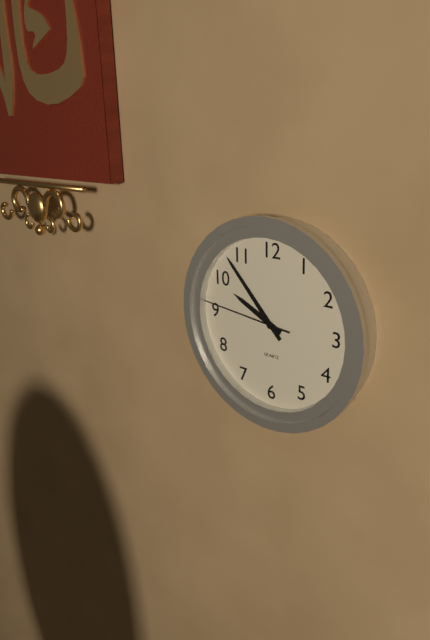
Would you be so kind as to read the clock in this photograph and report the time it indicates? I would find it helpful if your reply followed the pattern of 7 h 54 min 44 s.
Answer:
9 h 53 min 46 s
